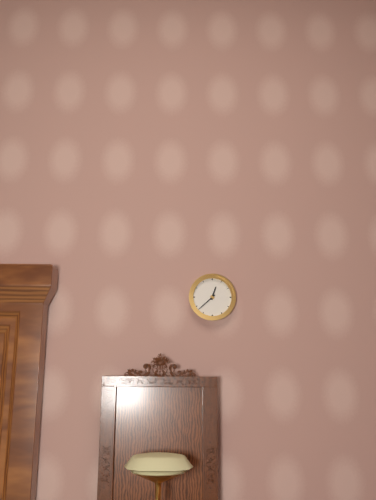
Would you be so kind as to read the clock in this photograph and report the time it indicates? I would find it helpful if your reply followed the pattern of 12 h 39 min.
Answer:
12 h 38 min
